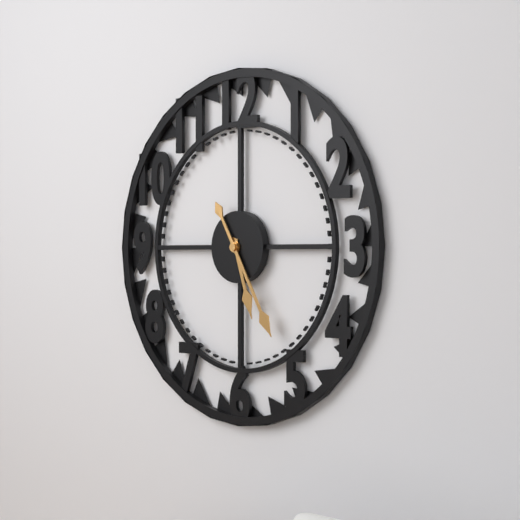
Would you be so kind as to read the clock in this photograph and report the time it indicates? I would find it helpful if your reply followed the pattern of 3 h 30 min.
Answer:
5 h 25 min
